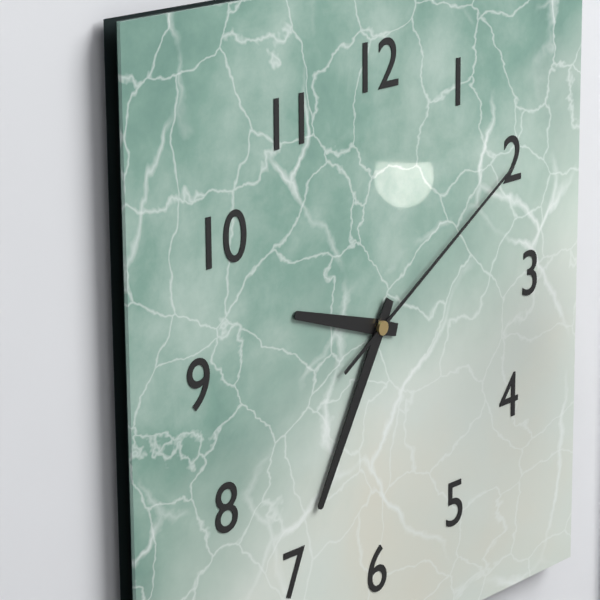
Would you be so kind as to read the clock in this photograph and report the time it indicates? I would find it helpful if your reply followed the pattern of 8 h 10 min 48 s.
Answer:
9 h 35 min 10 s
